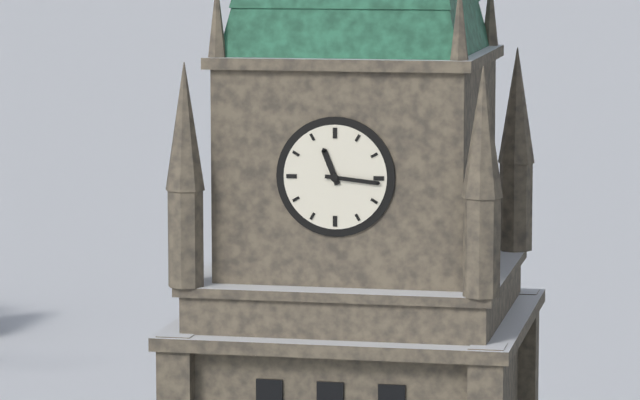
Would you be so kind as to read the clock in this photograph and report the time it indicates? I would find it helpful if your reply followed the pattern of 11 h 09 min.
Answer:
11 h 16 min
